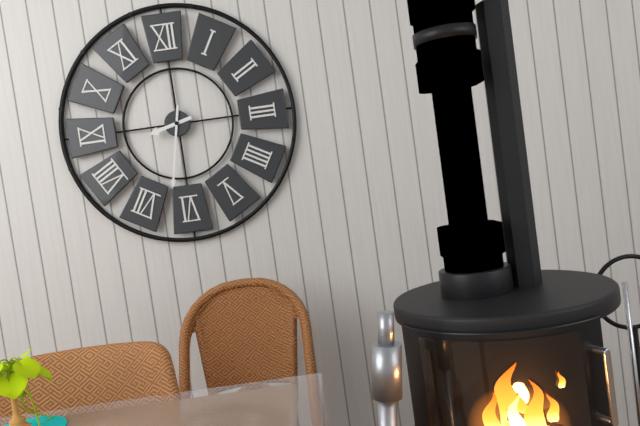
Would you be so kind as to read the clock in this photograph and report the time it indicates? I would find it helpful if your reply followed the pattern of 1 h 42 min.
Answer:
8 h 32 min
